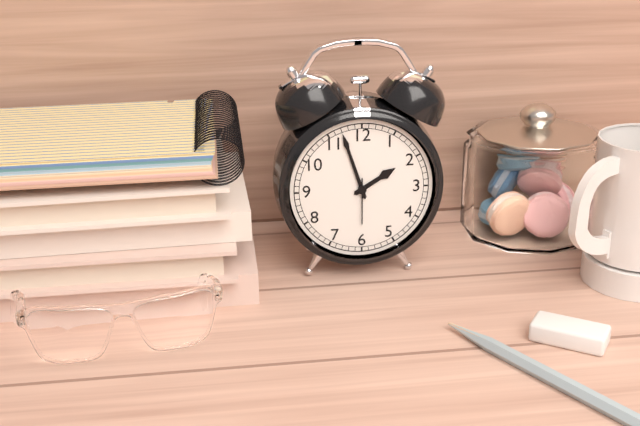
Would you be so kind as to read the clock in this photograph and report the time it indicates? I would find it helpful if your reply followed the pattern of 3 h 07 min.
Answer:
1 h 57 min
